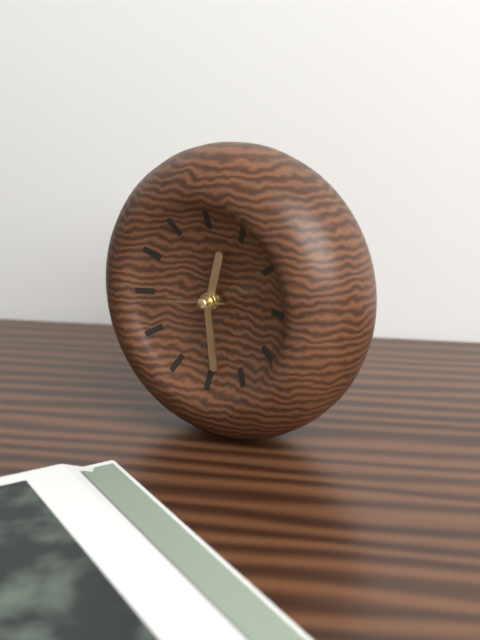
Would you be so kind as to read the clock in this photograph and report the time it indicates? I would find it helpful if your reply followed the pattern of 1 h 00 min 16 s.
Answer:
12 h 29 min 44 s
